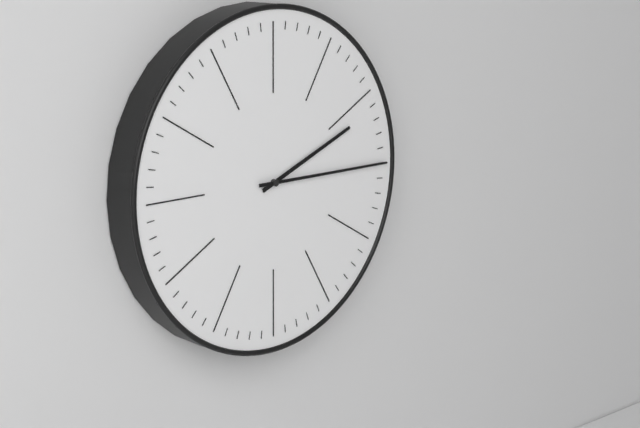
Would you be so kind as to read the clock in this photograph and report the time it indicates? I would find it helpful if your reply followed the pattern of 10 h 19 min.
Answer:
2 h 15 min
